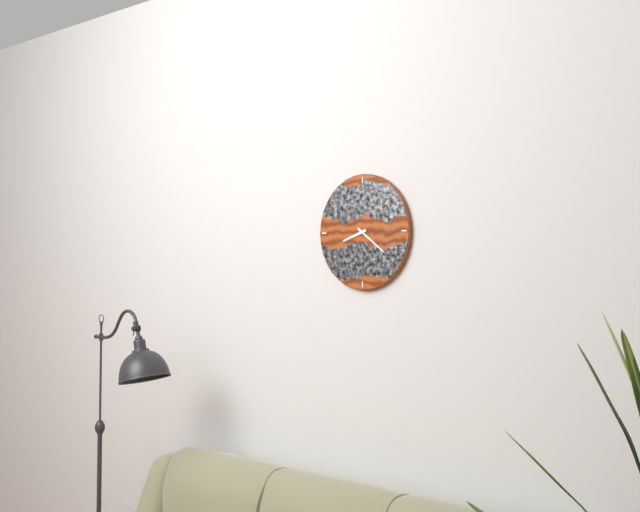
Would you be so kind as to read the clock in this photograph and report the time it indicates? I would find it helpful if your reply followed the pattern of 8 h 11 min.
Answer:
8 h 21 min
